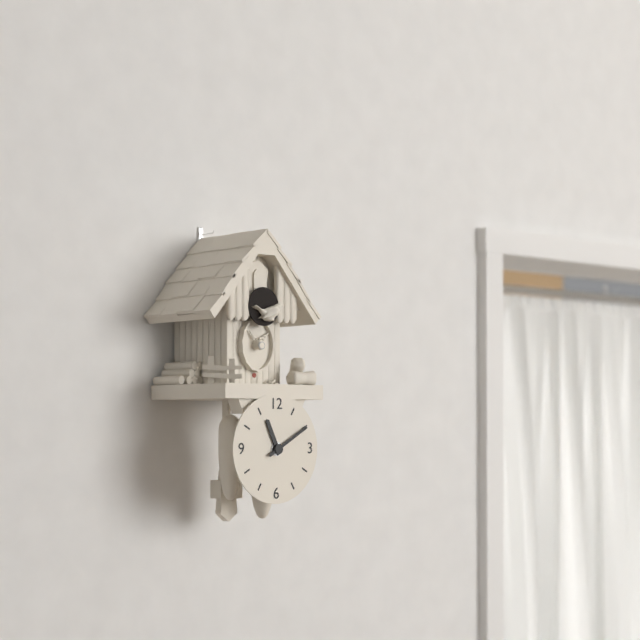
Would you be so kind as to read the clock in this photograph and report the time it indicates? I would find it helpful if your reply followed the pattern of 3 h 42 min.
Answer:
11 h 10 min
